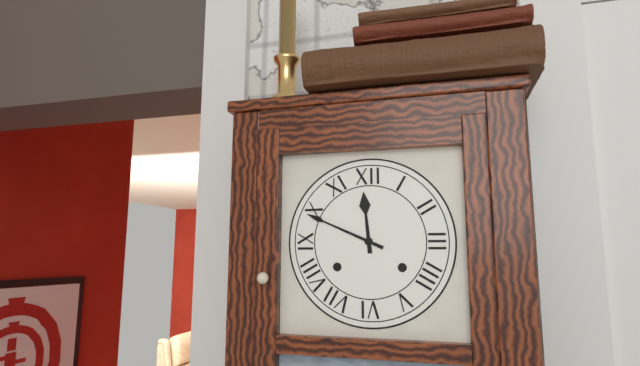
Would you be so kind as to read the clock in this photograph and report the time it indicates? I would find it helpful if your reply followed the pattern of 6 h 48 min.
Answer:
11 h 49 min
